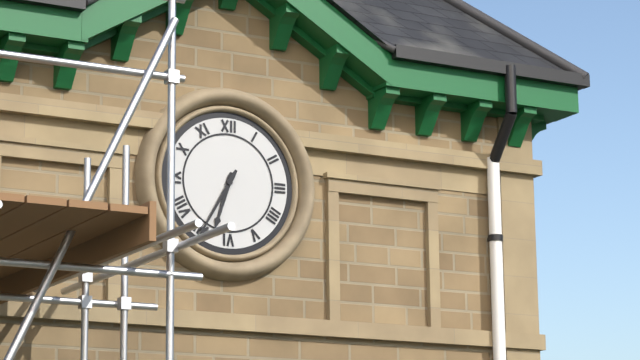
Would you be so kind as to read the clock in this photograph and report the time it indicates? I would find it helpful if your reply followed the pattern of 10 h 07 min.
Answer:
6 h 35 min
